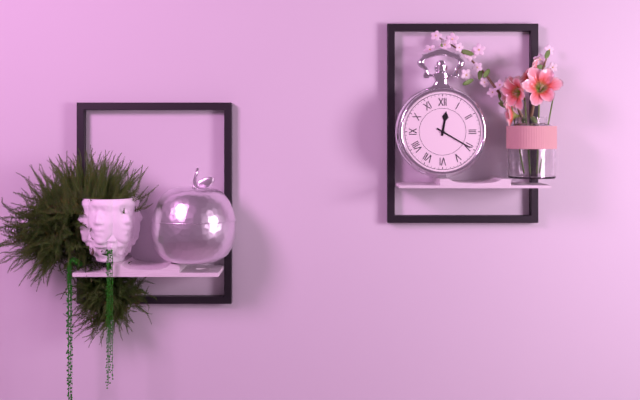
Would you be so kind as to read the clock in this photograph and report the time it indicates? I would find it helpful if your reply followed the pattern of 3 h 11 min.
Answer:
12 h 20 min
